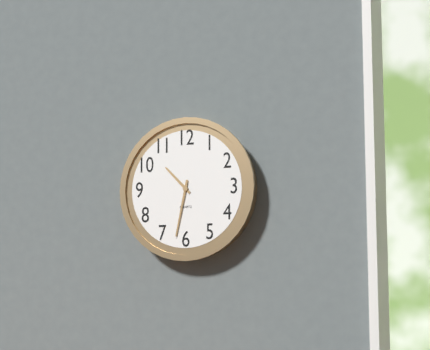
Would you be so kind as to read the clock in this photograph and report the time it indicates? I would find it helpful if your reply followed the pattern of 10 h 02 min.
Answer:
10 h 32 min
